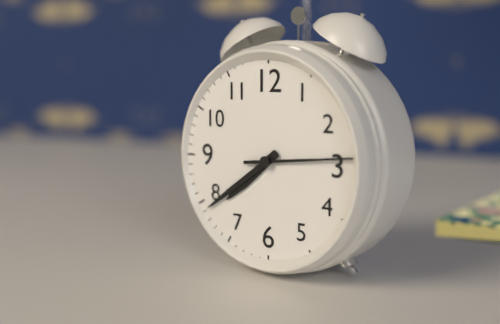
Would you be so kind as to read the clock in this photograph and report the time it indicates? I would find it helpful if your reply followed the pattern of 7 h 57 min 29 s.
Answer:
7 h 39 min 14 s
